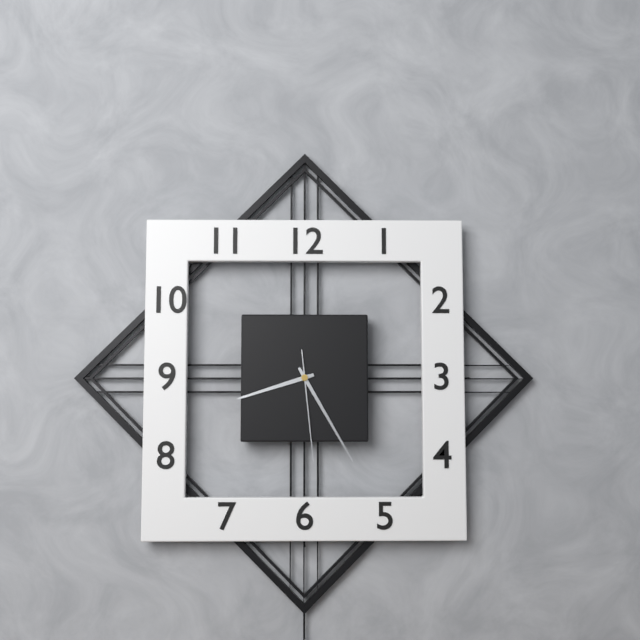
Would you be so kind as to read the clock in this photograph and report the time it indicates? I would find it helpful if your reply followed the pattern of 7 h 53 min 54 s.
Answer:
8 h 25 min 29 s
